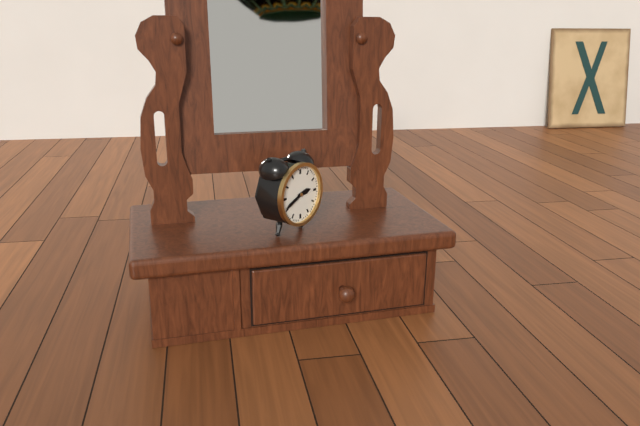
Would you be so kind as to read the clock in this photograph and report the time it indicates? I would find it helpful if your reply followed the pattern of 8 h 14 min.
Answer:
2 h 41 min
